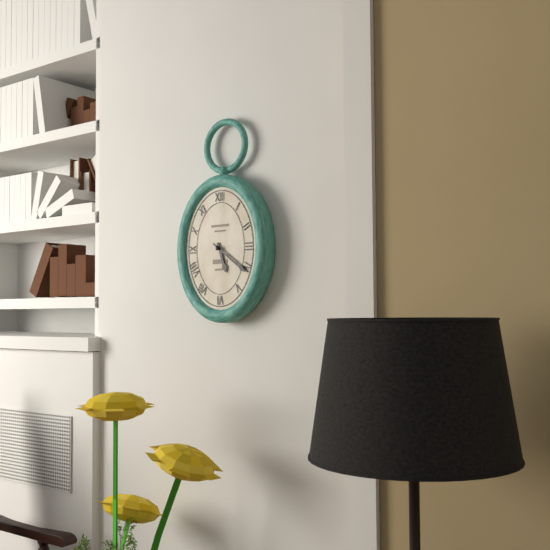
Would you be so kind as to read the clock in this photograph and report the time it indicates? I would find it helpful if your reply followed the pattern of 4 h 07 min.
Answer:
5 h 21 min
